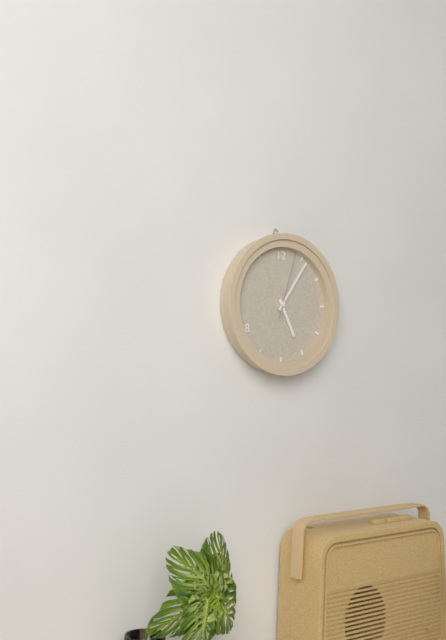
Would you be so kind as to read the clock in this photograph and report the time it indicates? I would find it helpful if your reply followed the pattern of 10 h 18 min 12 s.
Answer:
5 h 06 min 03 s
